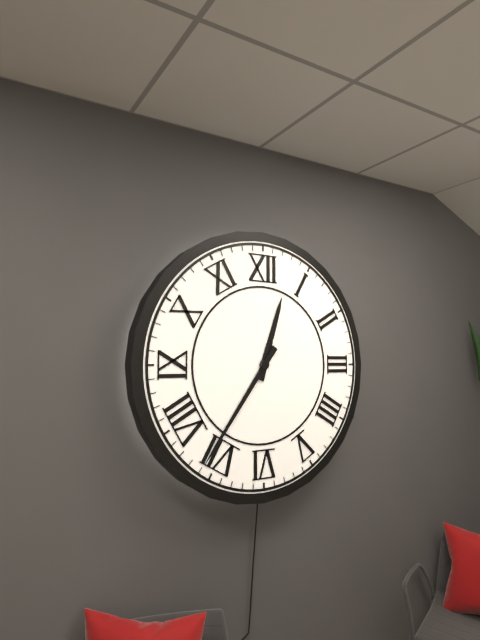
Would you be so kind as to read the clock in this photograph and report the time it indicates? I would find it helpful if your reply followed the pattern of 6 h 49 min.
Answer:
12 h 36 min
